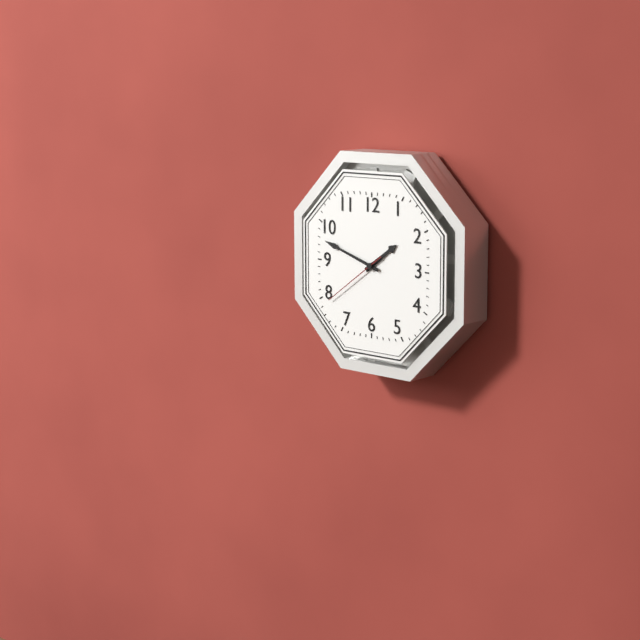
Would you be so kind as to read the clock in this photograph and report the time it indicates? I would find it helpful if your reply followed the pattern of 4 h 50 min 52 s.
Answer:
1 h 48 min 39 s
